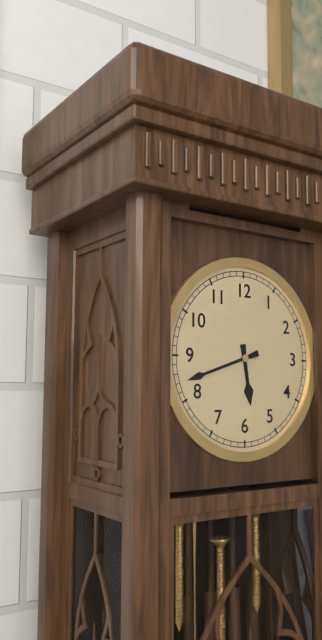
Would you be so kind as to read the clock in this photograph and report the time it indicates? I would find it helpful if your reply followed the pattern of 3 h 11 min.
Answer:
5 h 42 min
